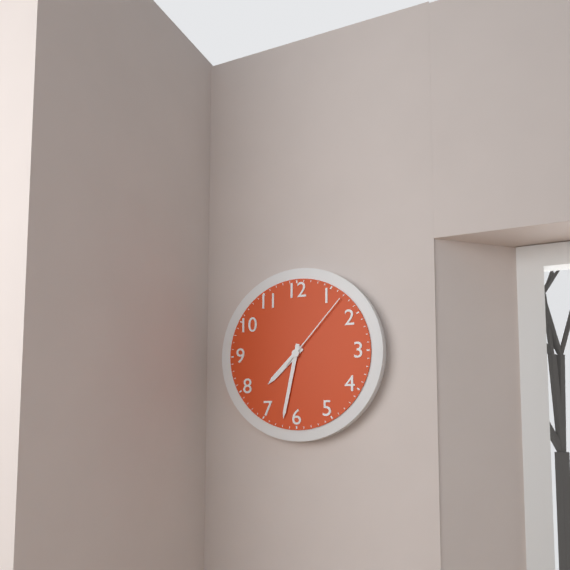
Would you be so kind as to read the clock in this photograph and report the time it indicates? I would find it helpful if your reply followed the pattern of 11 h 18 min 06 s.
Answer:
7 h 32 min 07 s
